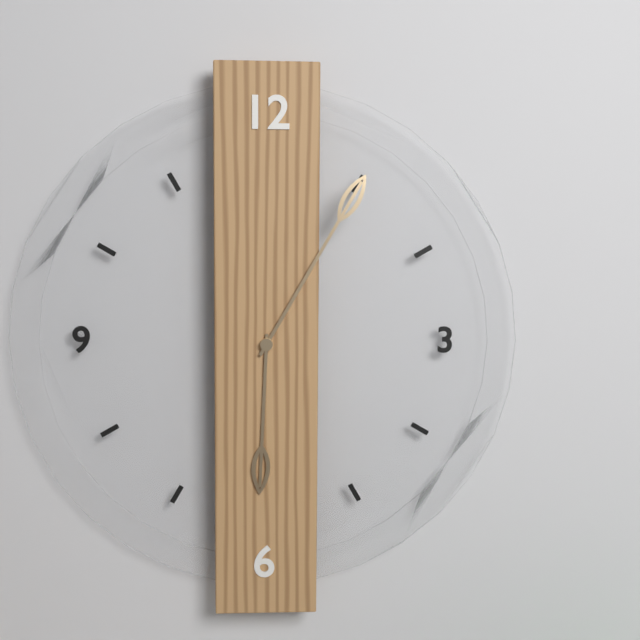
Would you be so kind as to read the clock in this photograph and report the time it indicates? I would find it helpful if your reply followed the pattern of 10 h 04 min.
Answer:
6 h 05 min
